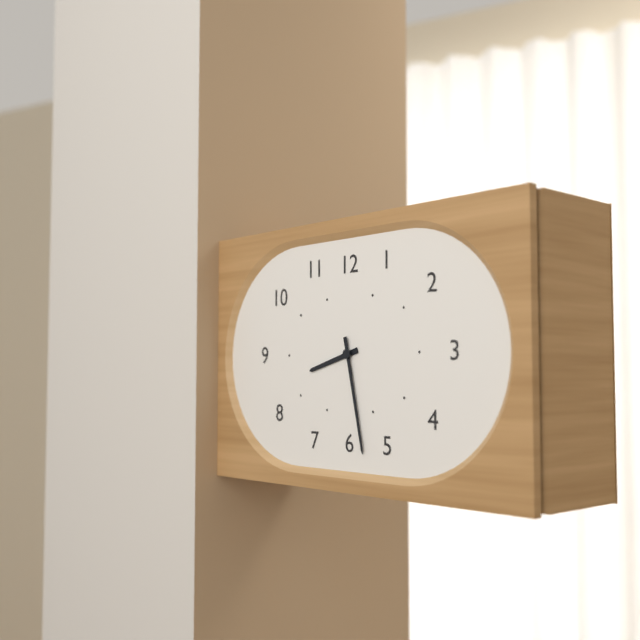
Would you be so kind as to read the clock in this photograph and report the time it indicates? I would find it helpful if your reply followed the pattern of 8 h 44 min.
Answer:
8 h 28 min
